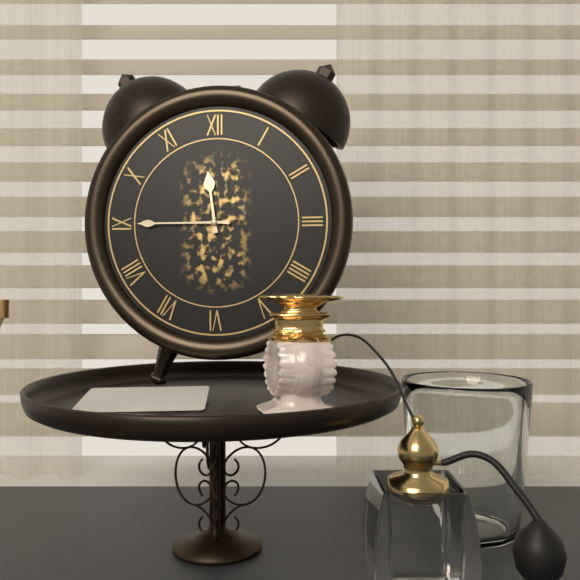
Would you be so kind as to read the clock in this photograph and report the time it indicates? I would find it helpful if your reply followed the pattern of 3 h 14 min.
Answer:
11 h 45 min
